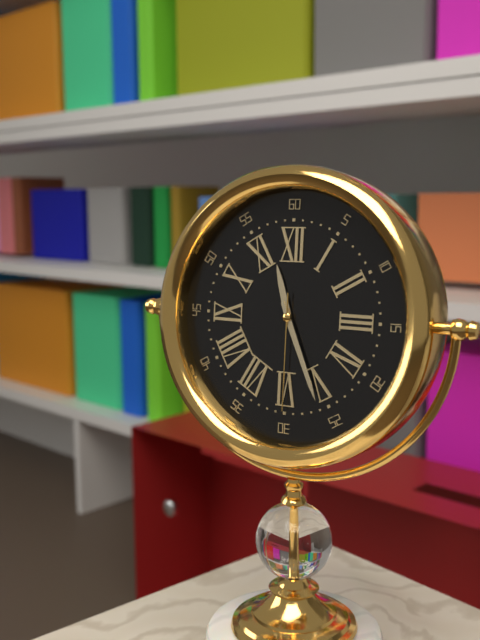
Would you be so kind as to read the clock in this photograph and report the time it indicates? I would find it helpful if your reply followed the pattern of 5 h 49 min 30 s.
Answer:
11 h 26 min 30 s
